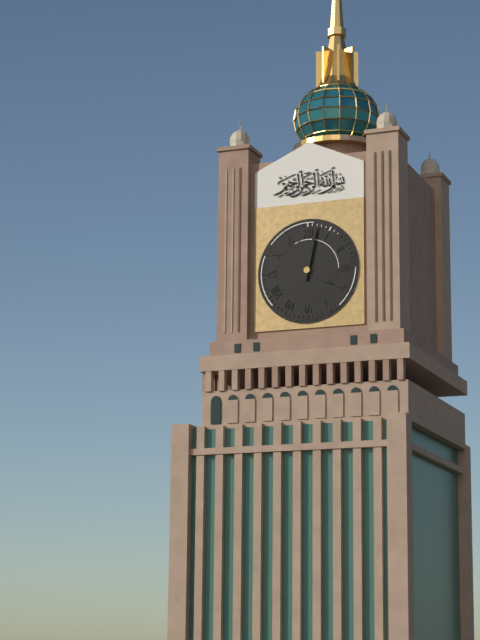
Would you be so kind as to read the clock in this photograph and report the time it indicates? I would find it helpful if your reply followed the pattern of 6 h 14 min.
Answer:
4 h 02 min
